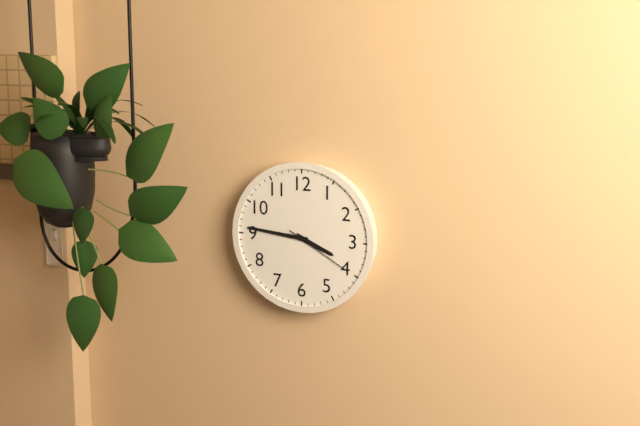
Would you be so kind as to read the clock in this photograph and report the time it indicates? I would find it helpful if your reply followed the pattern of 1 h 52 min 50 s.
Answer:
3 h 46 min 20 s
